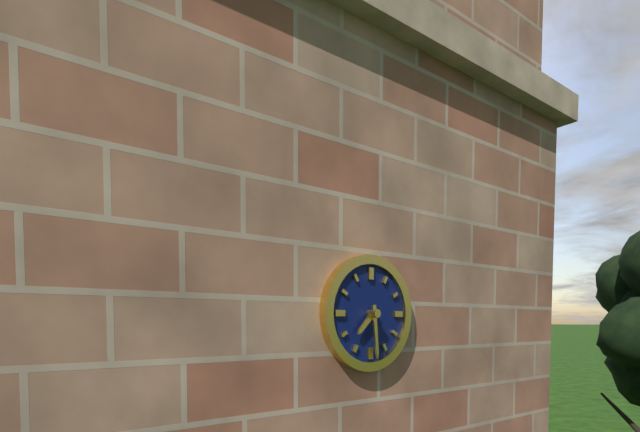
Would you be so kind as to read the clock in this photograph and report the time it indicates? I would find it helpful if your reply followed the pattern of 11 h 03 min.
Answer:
7 h 29 min
